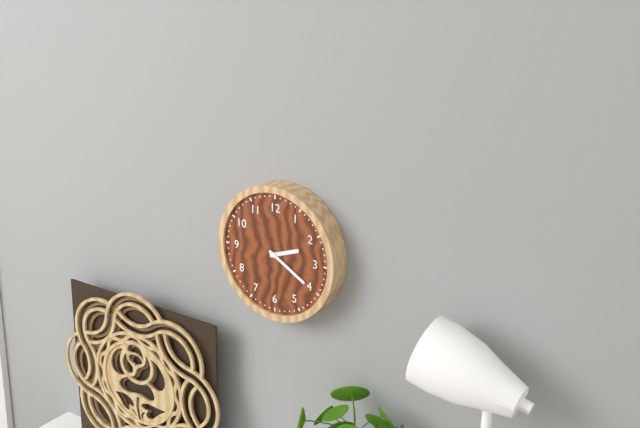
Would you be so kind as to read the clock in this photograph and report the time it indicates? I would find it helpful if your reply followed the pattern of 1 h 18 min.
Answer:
2 h 20 min
